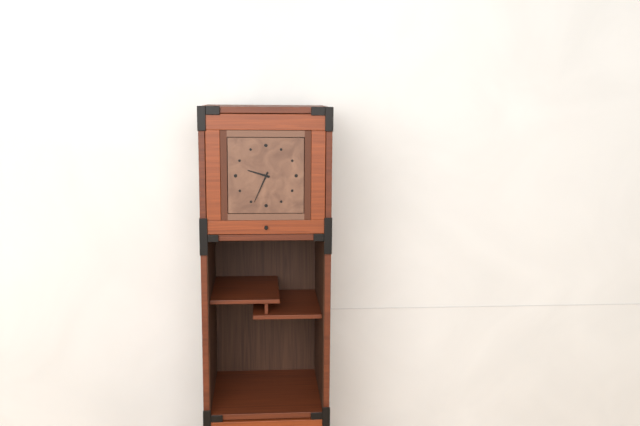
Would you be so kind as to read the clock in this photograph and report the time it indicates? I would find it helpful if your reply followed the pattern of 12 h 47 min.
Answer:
9 h 34 min
